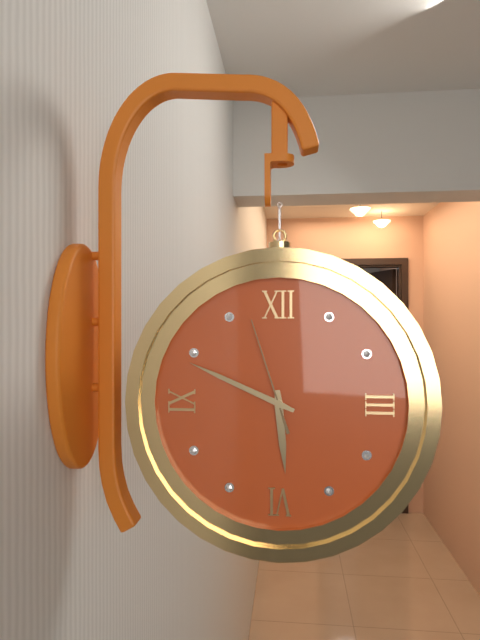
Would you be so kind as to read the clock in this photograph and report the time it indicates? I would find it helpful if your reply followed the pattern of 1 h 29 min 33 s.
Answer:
5 h 49 min 57 s
